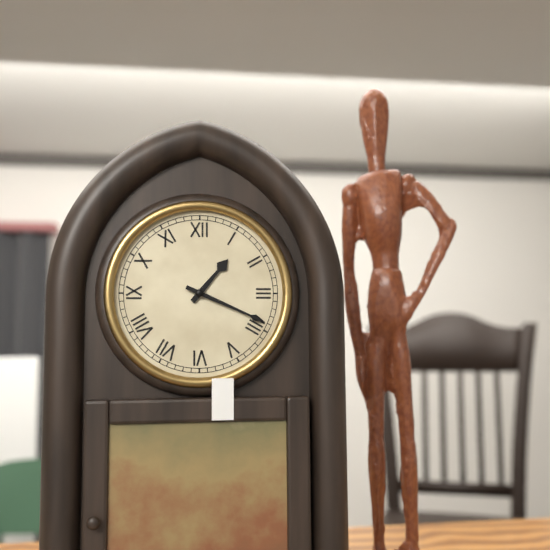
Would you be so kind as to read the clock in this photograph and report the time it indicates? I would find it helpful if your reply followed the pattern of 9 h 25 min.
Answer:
1 h 19 min
